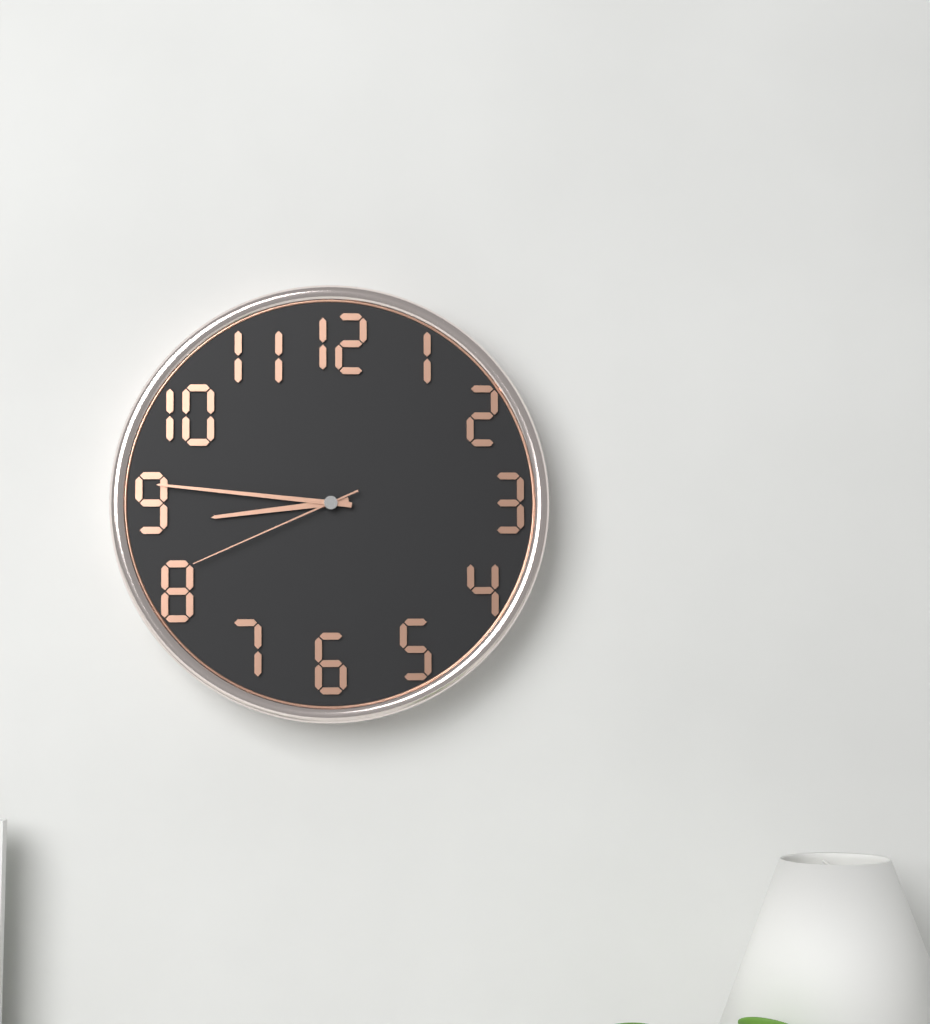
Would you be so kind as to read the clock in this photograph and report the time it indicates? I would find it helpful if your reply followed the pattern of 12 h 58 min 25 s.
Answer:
8 h 46 min 41 s
